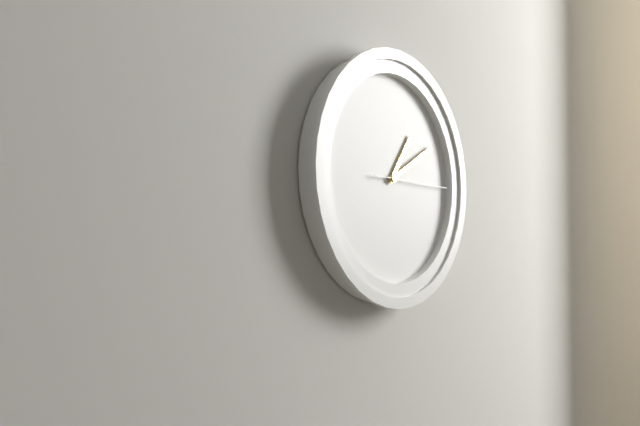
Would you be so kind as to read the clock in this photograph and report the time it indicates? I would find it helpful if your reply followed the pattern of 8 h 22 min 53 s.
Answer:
1 h 10 min 15 s
